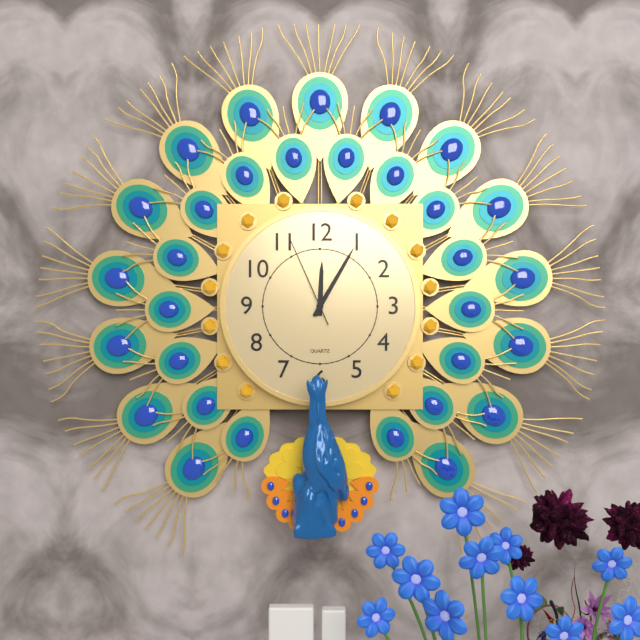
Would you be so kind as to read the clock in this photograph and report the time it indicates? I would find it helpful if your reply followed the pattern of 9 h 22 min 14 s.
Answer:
12 h 05 min 56 s
